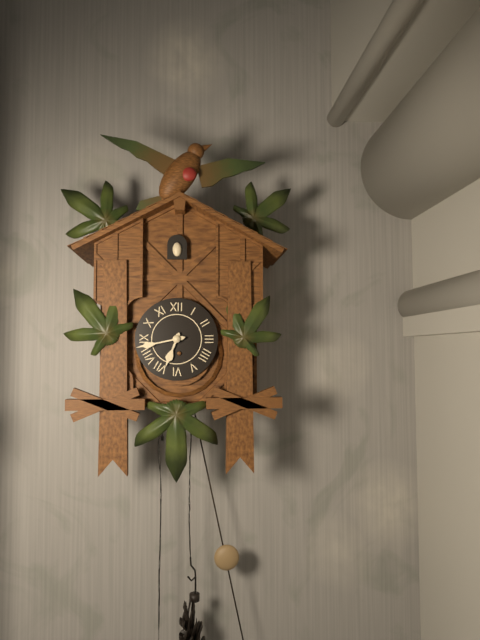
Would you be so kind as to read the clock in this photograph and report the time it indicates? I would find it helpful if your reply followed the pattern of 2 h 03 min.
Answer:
6 h 43 min
